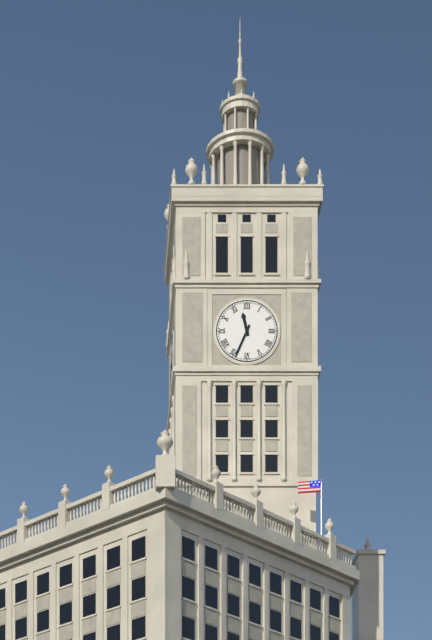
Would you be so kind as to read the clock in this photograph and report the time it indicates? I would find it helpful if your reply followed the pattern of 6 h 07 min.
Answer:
11 h 34 min
